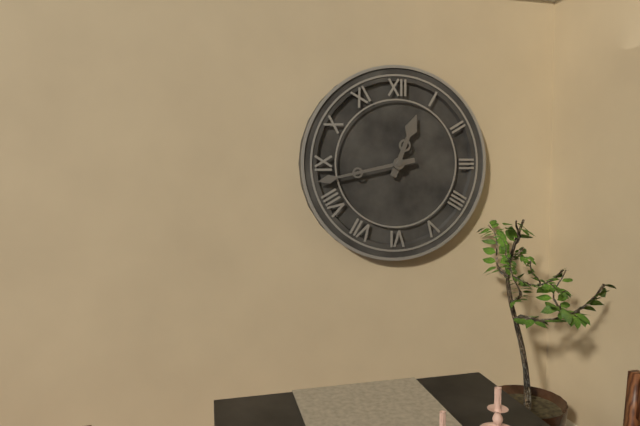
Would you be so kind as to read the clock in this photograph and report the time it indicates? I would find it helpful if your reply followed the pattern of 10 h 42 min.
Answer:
12 h 43 min
